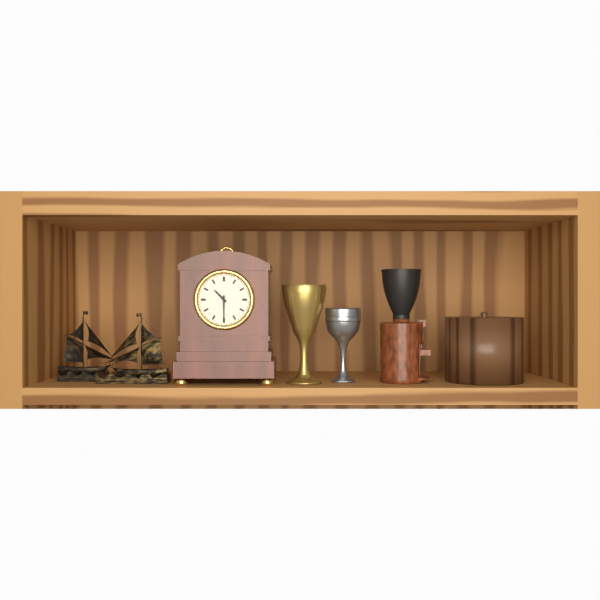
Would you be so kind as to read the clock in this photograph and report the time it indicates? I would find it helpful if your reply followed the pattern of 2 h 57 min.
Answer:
10 h 30 min
